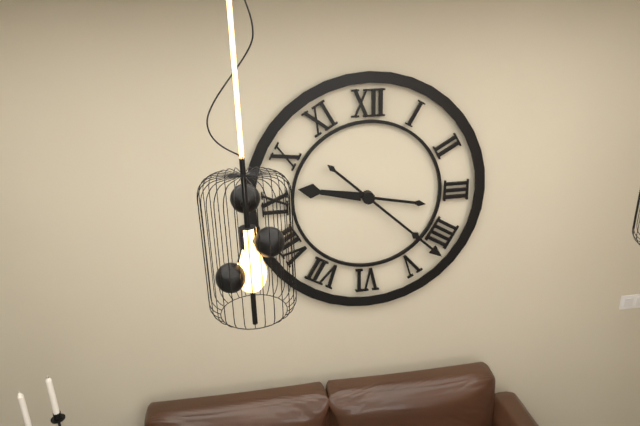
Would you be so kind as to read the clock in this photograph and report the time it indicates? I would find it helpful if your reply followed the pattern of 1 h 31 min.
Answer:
9 h 22 min
